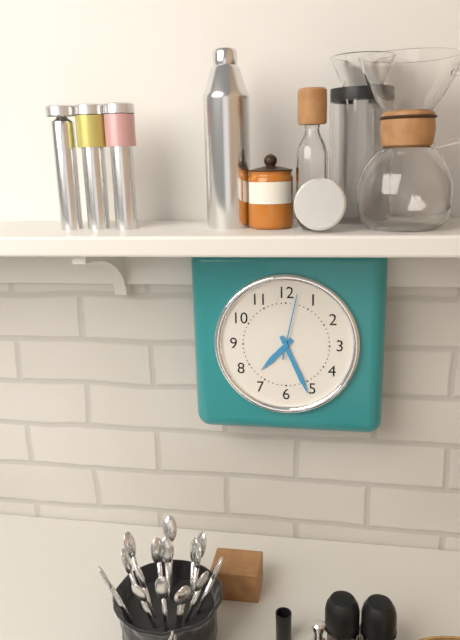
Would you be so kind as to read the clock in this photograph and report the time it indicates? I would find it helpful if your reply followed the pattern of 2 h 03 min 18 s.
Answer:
7 h 26 min 02 s
